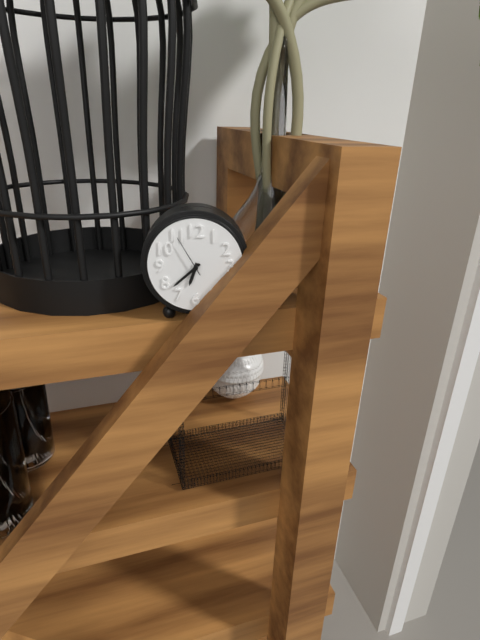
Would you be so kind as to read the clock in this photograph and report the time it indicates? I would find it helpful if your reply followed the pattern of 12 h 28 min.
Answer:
6 h 38 min
